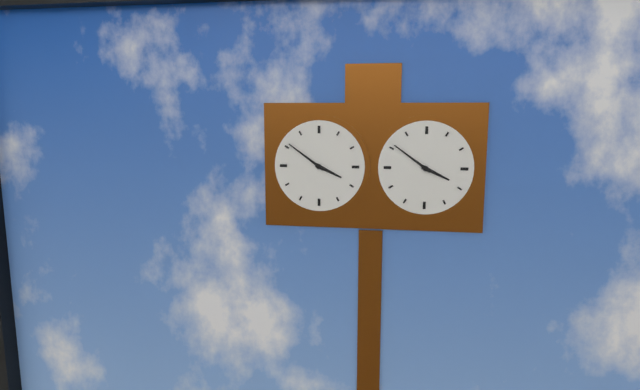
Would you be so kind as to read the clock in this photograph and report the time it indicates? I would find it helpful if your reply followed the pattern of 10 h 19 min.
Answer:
3 h 51 min
